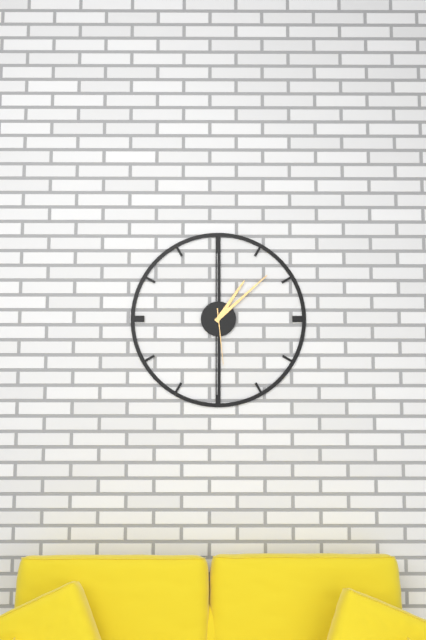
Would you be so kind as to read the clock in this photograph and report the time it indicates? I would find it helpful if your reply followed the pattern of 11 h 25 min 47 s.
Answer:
1 h 08 min 29 s
